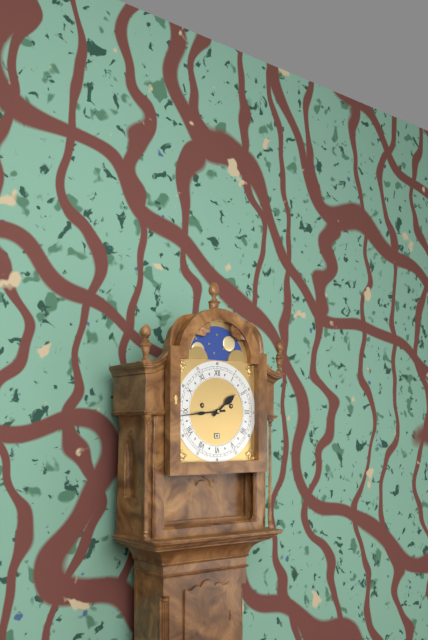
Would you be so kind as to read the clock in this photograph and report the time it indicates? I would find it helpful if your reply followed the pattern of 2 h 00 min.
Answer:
1 h 44 min
